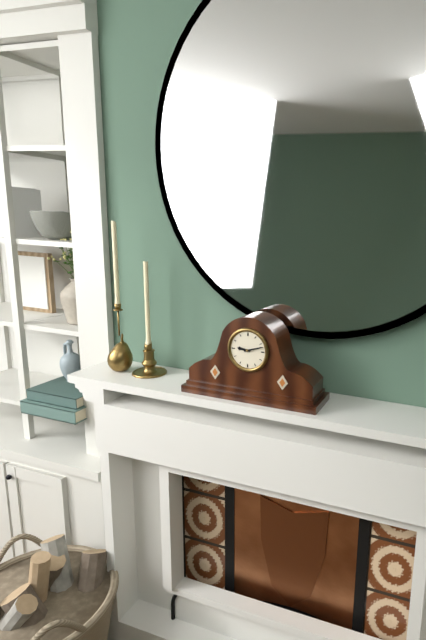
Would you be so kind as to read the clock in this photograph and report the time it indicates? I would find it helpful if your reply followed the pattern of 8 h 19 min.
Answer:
9 h 12 min
